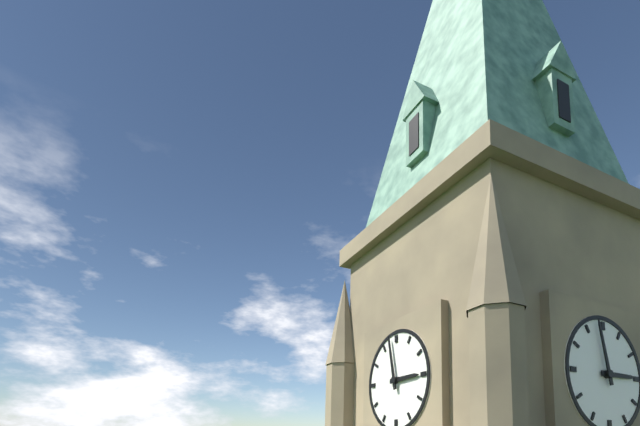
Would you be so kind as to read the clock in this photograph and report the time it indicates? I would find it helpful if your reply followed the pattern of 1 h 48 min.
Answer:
2 h 58 min
